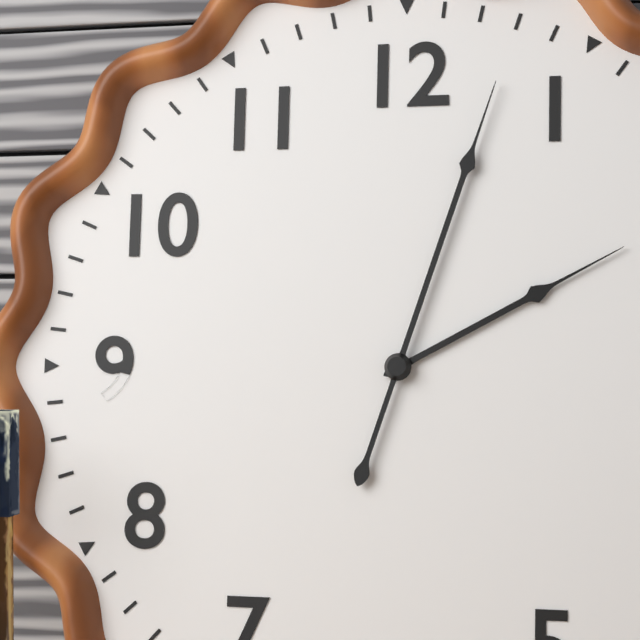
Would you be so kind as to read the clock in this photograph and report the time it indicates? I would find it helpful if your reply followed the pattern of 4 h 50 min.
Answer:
2 h 03 min
